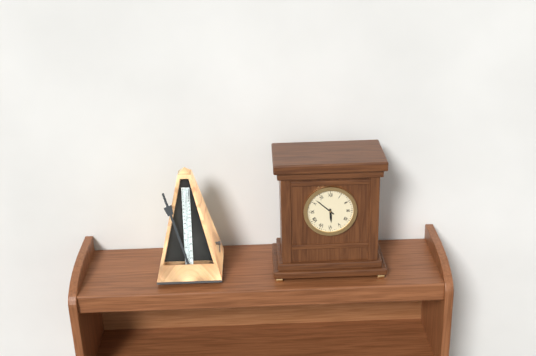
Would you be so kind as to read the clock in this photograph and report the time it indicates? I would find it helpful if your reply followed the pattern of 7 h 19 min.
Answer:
5 h 52 min
